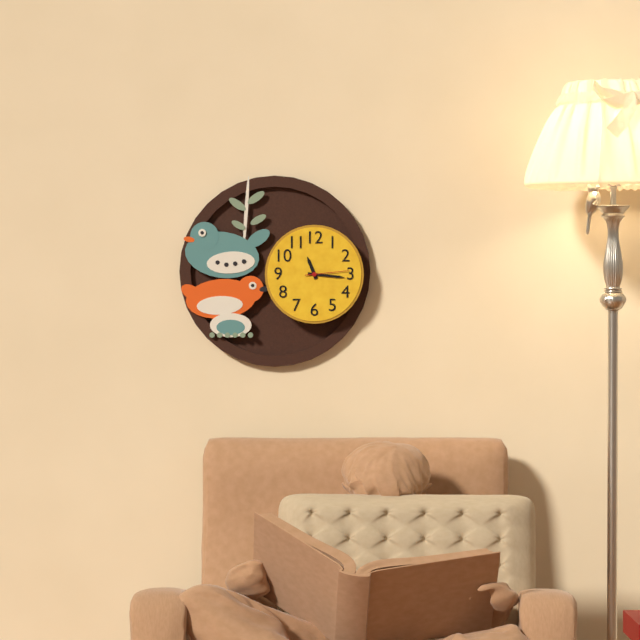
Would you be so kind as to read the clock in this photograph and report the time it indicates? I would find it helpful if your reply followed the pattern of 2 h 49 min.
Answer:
11 h 16 min
